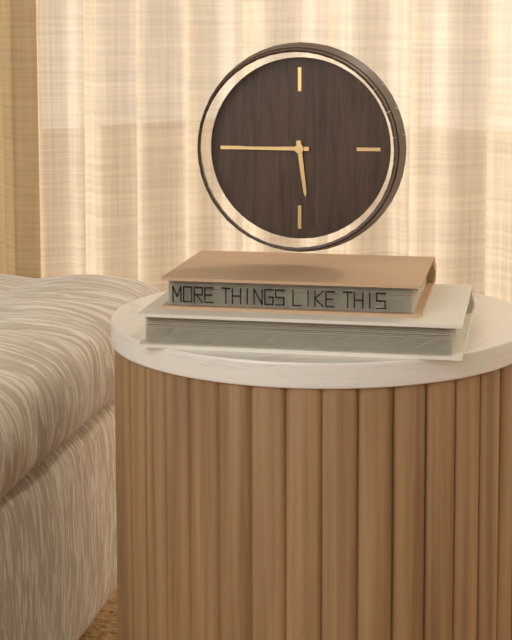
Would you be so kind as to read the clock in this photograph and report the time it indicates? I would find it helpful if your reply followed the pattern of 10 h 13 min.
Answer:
5 h 45 min
